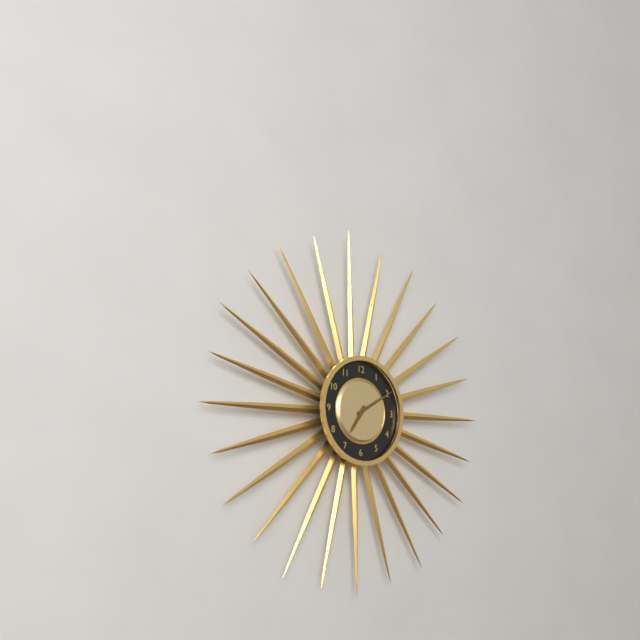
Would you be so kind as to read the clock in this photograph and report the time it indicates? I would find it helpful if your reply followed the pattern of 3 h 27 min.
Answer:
7 h 10 min
